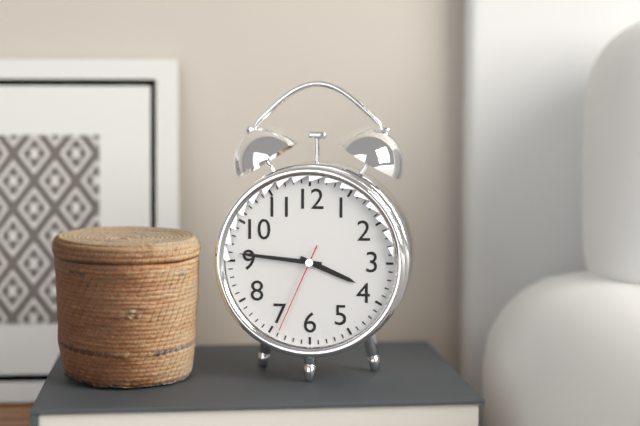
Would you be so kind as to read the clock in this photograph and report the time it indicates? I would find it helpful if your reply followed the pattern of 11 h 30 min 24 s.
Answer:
3 h 46 min 34 s
